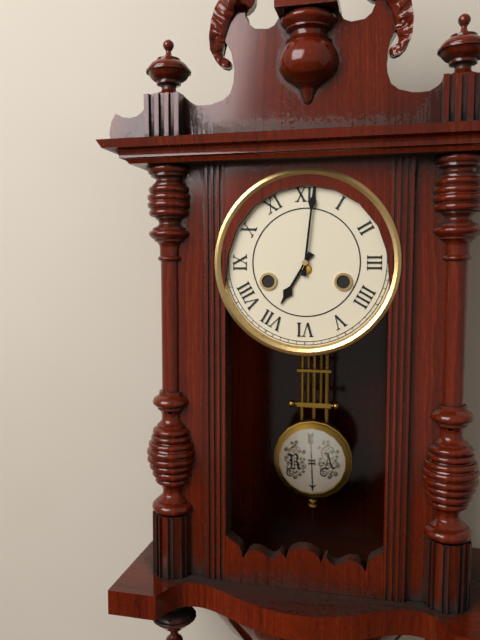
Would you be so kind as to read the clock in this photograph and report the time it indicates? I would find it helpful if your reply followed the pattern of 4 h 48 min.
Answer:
7 h 01 min
